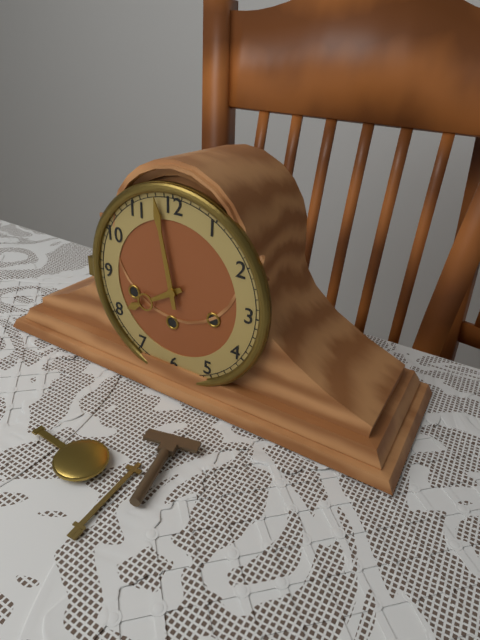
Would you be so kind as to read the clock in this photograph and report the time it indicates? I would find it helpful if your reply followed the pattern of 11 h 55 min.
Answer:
7 h 58 min
